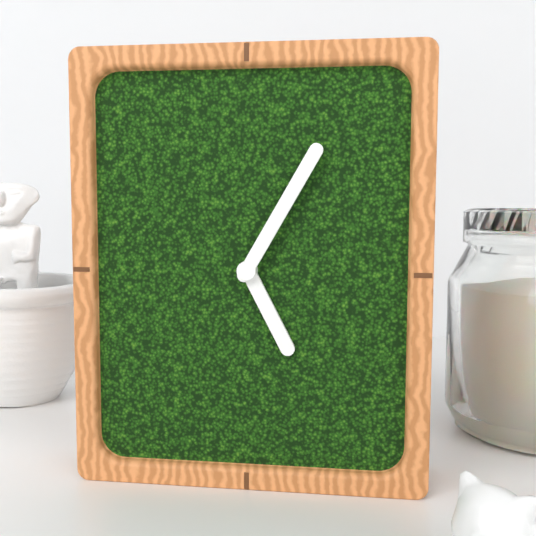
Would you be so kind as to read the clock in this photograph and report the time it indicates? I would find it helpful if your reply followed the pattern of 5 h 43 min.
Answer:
5 h 05 min
